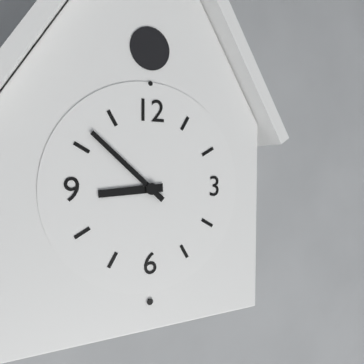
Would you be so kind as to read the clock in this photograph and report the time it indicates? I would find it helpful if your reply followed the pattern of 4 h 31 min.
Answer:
8 h 52 min
